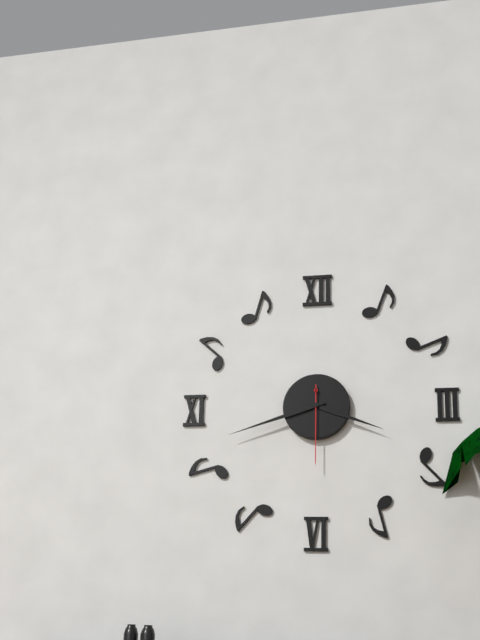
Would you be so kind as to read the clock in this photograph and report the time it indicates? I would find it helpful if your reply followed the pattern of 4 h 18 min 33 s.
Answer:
3 h 42 min 30 s
